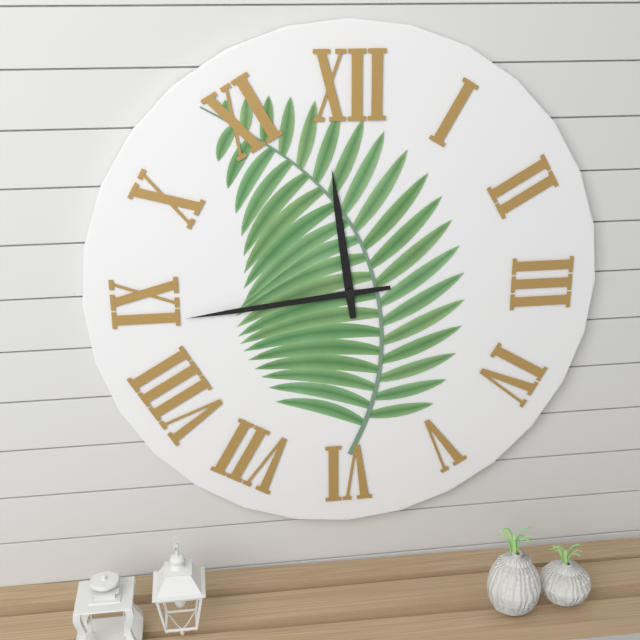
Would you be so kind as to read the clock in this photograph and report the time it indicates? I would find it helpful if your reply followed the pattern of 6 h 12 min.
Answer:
11 h 44 min
